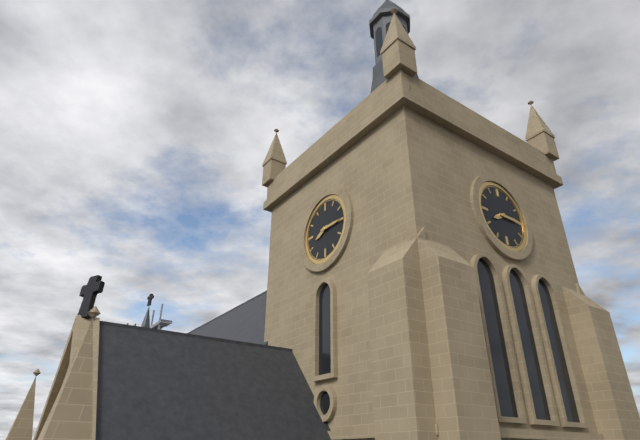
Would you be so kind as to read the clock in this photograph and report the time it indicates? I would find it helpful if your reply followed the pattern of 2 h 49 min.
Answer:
8 h 15 min
